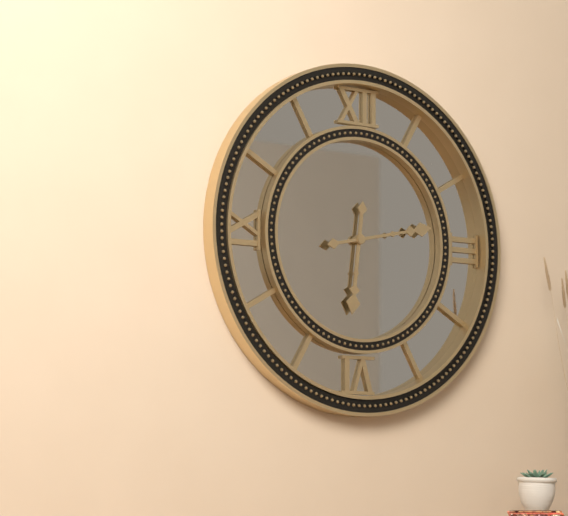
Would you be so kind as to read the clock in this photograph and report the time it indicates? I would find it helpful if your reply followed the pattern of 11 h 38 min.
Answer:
6 h 13 min
